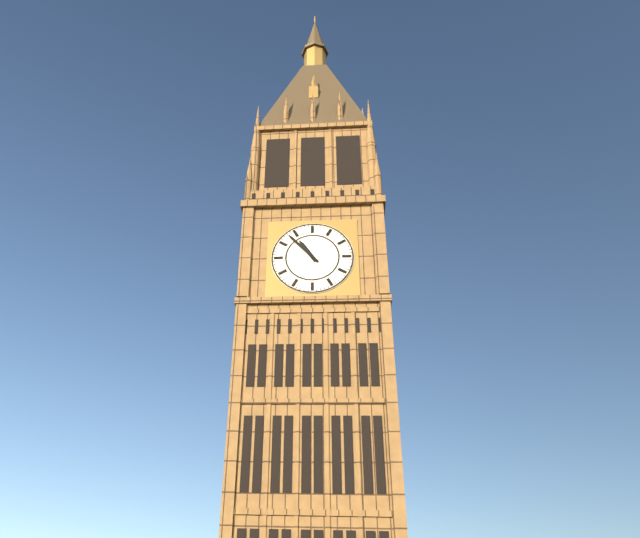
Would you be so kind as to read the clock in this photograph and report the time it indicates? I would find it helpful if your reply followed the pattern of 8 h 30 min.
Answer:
10 h 53 min
